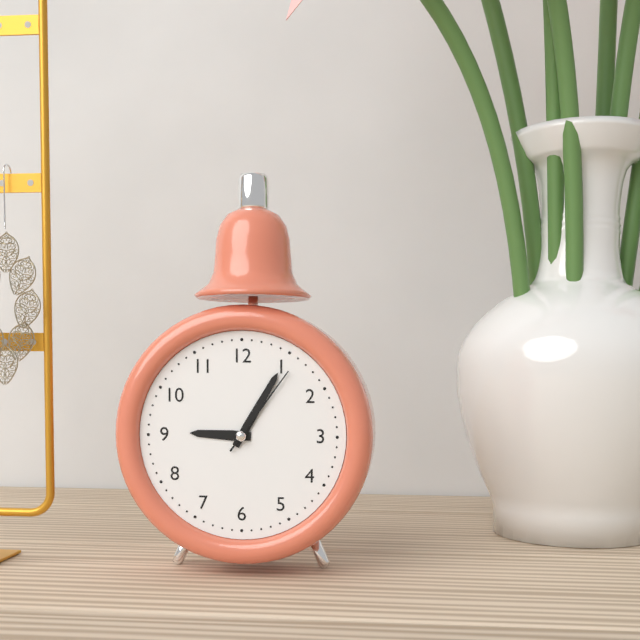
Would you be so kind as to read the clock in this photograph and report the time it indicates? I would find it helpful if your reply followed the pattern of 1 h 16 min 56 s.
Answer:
9 h 05 min 06 s
